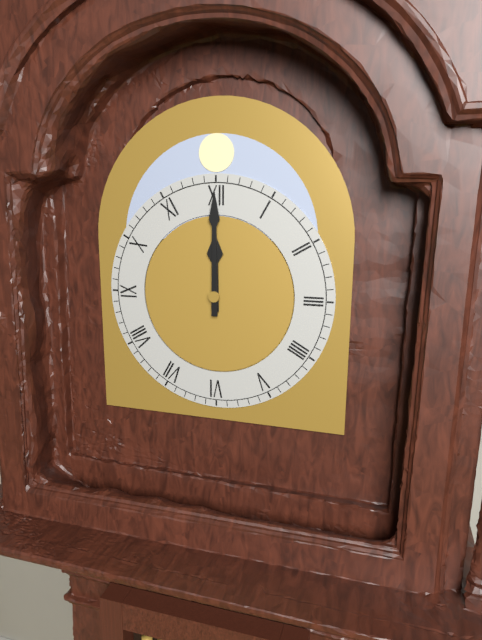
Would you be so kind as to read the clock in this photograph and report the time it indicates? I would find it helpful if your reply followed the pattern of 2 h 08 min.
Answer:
12 h 00 min
